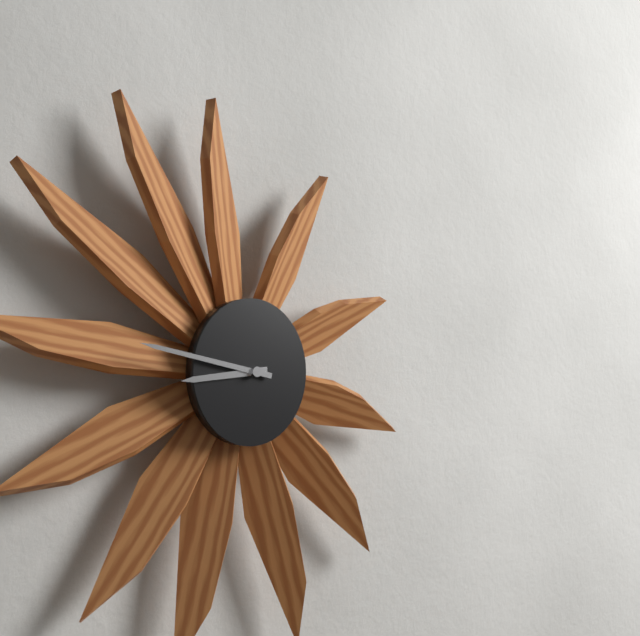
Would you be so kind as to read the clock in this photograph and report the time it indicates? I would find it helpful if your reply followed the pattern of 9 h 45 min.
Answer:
8 h 47 min
